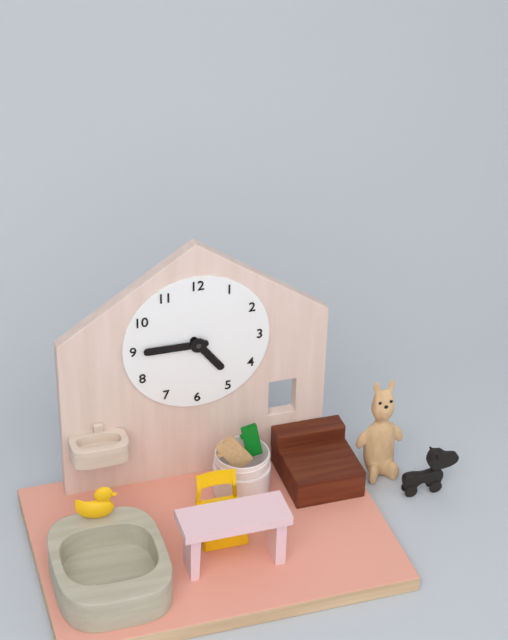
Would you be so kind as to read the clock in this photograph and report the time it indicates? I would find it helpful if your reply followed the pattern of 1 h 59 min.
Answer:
4 h 45 min
